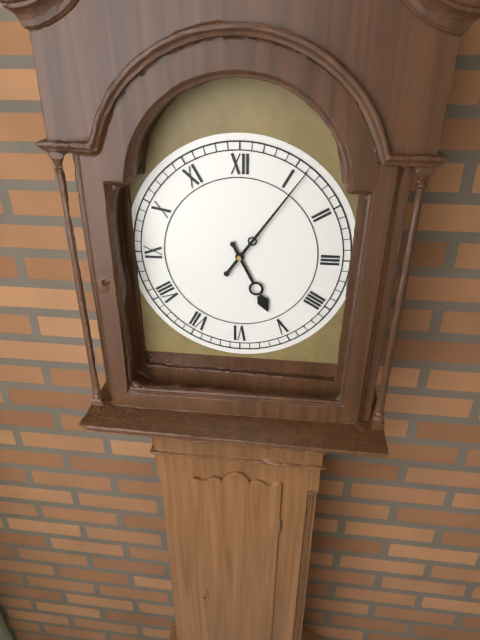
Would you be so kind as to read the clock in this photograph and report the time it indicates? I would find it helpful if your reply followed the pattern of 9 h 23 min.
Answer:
5 h 06 min
